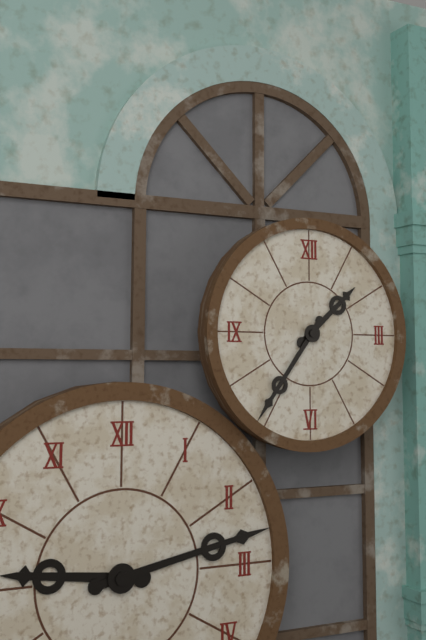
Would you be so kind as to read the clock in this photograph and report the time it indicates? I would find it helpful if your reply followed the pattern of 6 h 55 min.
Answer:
1 h 36 min
